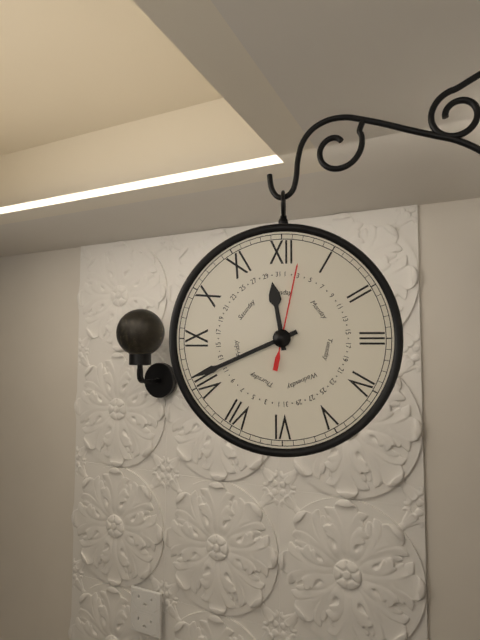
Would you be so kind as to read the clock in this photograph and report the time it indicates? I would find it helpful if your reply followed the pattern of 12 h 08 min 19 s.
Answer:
11 h 41 min 02 s
